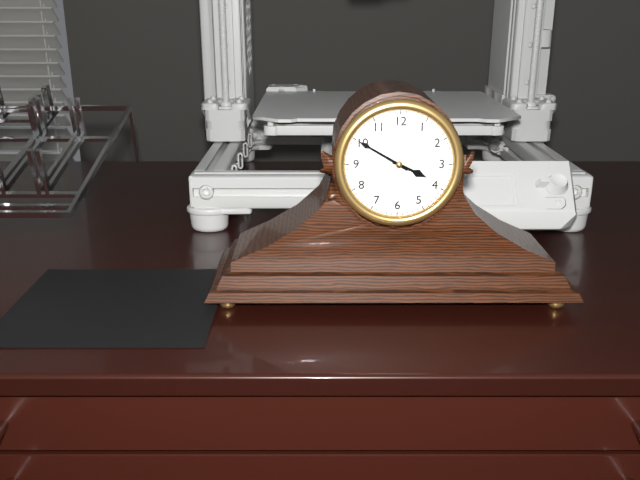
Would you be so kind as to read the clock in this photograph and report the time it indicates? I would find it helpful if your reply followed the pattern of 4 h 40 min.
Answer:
3 h 50 min
